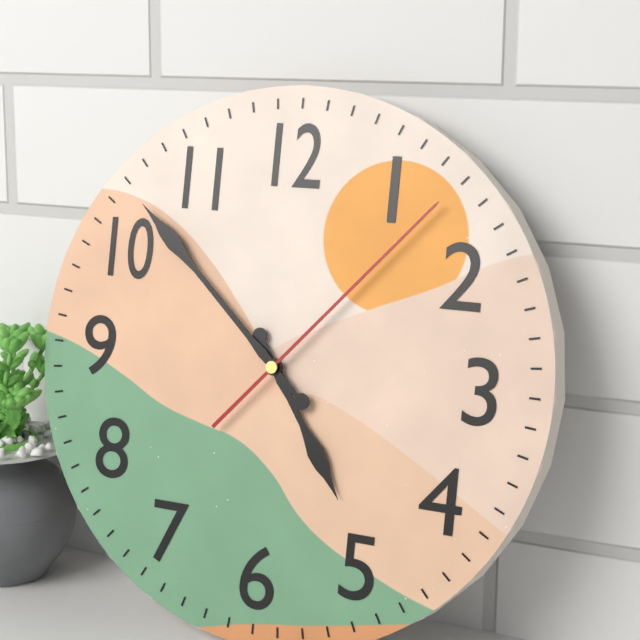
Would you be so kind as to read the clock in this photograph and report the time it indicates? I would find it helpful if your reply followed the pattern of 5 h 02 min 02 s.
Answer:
4 h 52 min 07 s
